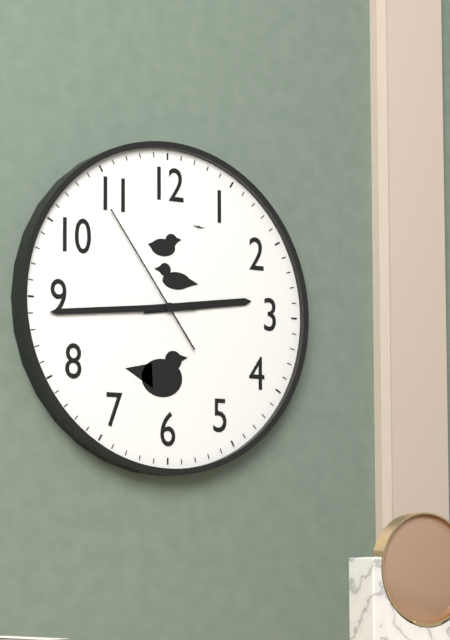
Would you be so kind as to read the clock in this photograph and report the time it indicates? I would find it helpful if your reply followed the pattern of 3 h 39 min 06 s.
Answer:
2 h 44 min 54 s
